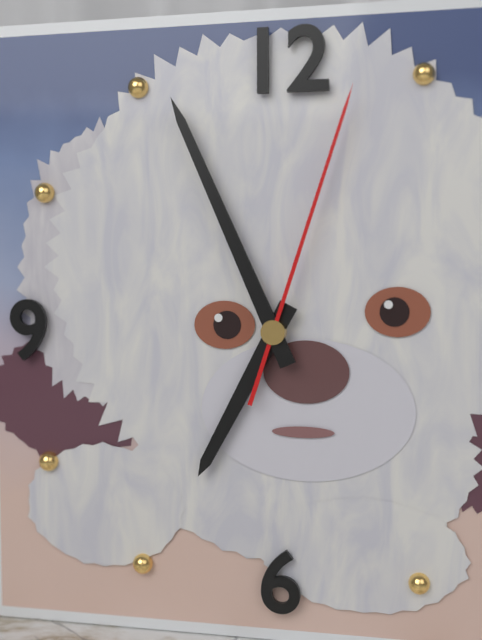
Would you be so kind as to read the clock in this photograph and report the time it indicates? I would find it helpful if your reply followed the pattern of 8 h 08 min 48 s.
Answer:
6 h 56 min 03 s
